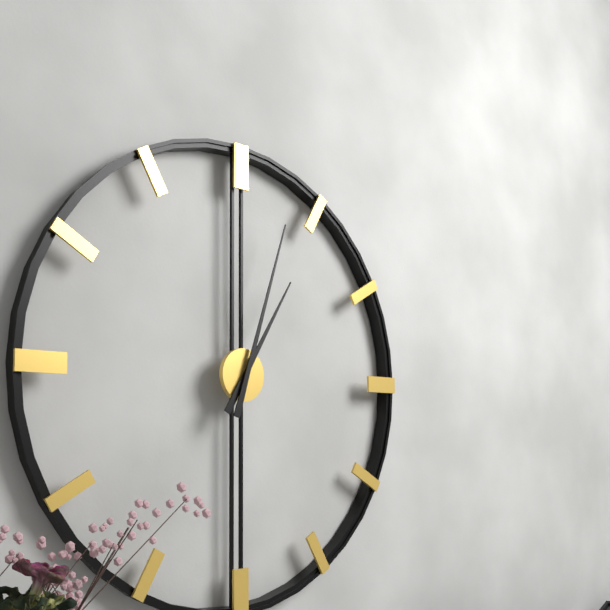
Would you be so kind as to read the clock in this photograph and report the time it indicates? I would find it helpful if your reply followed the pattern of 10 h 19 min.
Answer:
1 h 03 min
